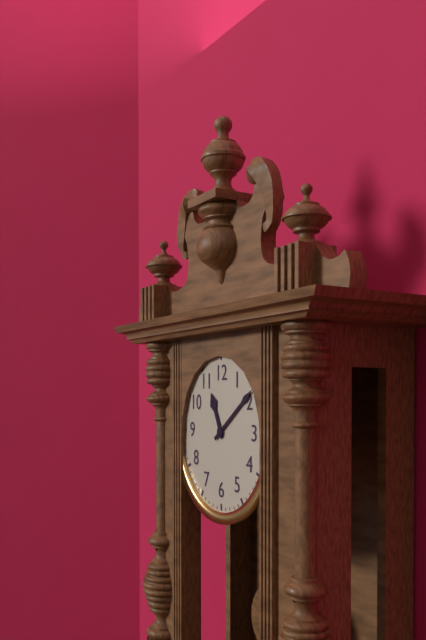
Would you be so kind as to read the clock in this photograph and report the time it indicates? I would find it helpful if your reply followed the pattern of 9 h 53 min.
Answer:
11 h 09 min
